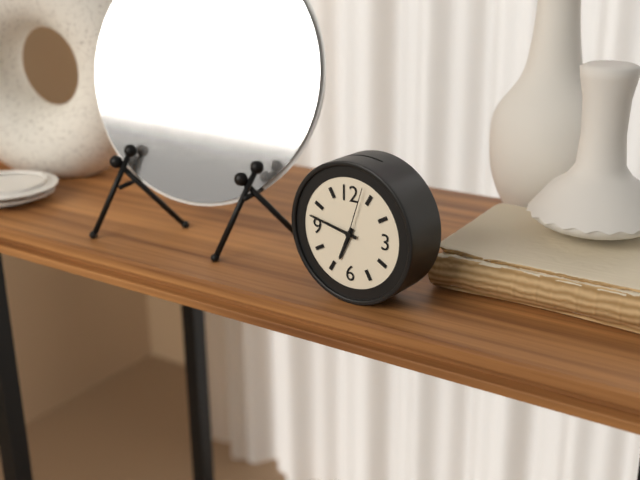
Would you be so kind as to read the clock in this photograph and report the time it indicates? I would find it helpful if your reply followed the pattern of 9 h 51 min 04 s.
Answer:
6 h 47 min 03 s
